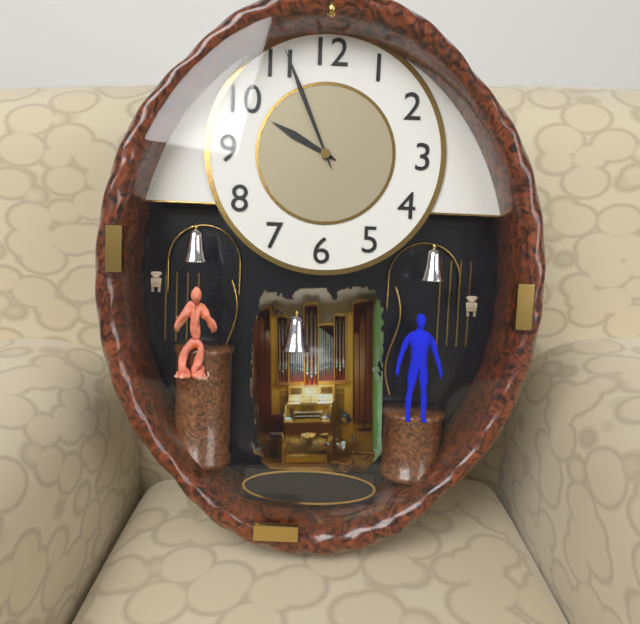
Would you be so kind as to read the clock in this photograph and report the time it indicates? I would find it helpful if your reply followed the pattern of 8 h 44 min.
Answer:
9 h 56 min
